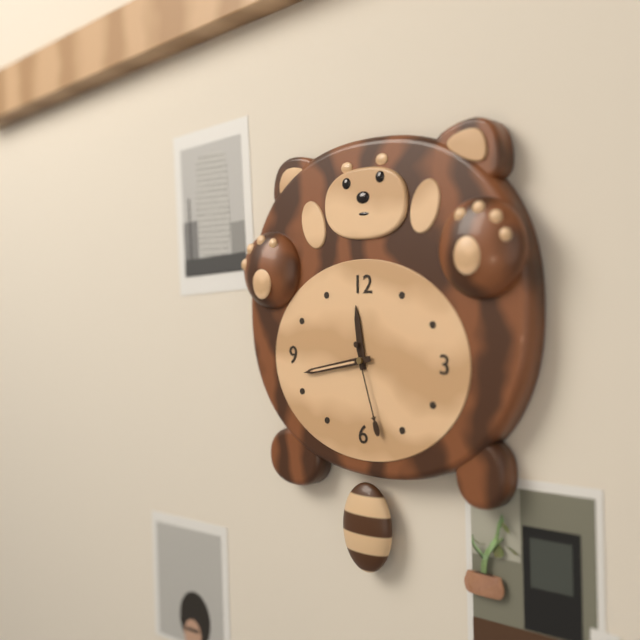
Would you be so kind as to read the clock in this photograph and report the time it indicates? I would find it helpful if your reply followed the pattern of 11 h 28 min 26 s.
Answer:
11 h 43 min 27 s
